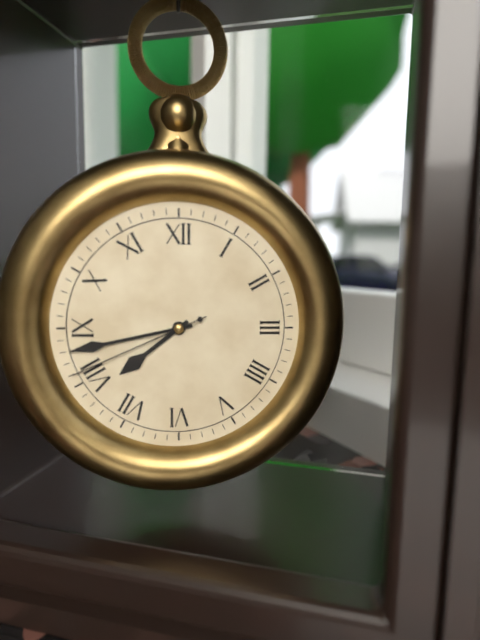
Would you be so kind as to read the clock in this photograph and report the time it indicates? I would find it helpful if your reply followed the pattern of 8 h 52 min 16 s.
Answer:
7 h 43 min 41 s
